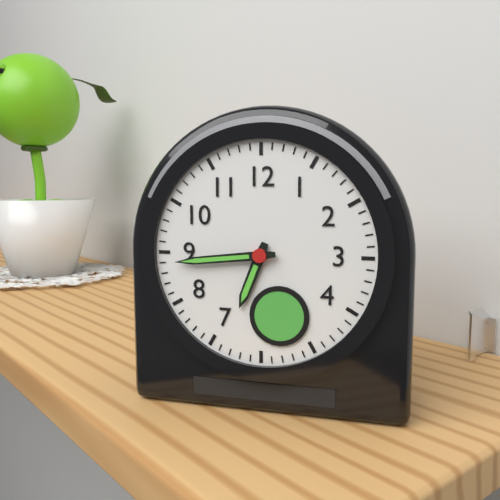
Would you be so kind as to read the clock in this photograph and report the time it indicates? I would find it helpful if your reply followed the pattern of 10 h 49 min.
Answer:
6 h 44 min
